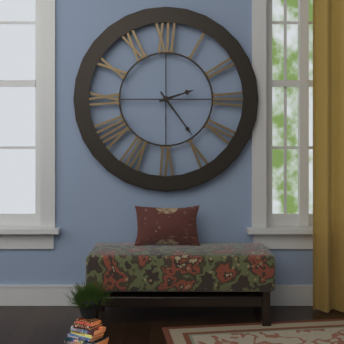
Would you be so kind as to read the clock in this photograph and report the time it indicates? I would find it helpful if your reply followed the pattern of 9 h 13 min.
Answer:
2 h 24 min
